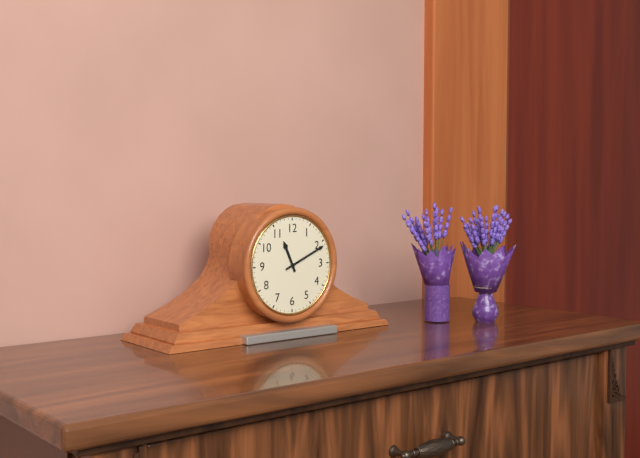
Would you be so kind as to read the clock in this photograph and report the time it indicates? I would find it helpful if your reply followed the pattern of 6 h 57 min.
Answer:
11 h 11 min
